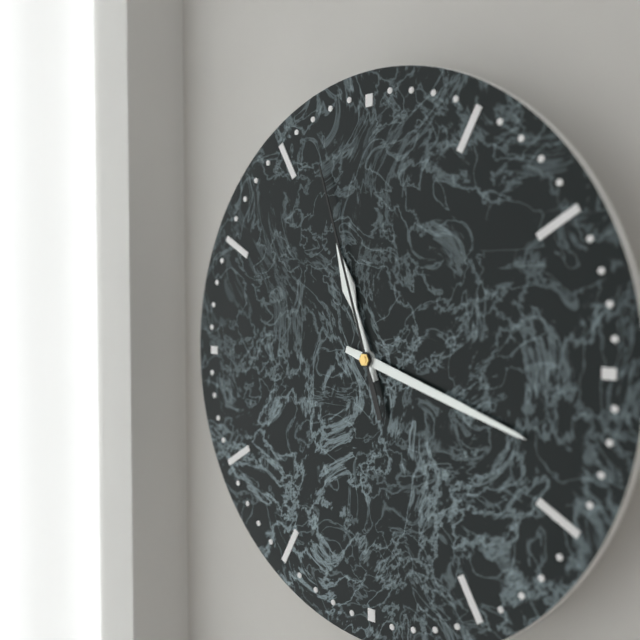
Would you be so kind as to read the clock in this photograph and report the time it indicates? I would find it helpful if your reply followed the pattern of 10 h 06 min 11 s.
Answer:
11 h 18 min 57 s
